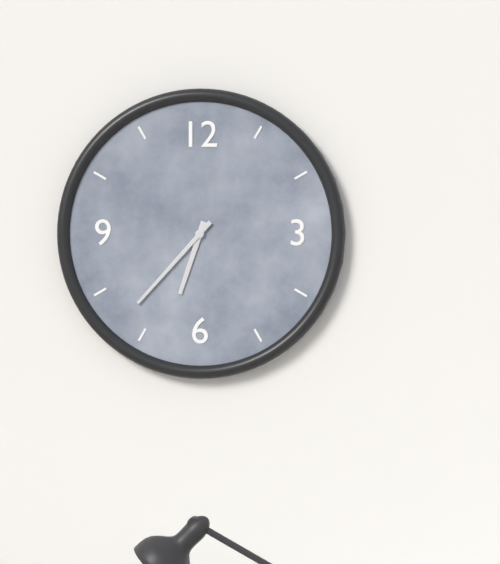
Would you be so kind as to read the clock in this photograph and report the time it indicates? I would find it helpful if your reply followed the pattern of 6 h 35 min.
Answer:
6 h 37 min
